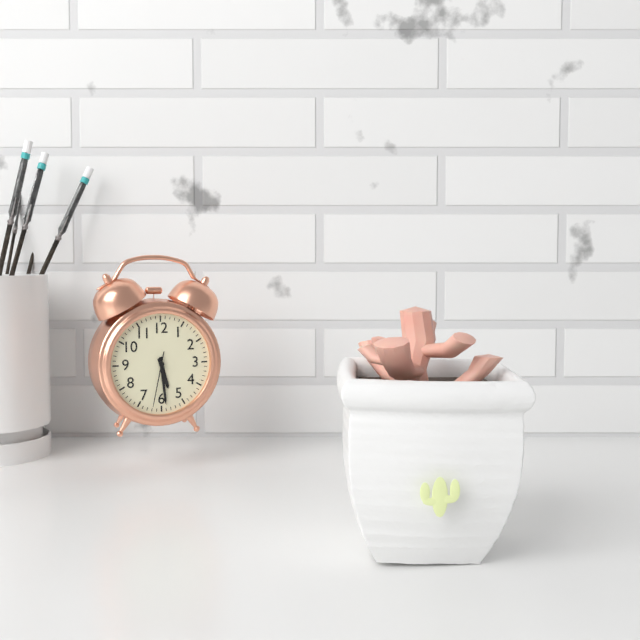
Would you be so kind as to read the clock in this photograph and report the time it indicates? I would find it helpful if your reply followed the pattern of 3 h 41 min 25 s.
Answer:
5 h 29 min 32 s
